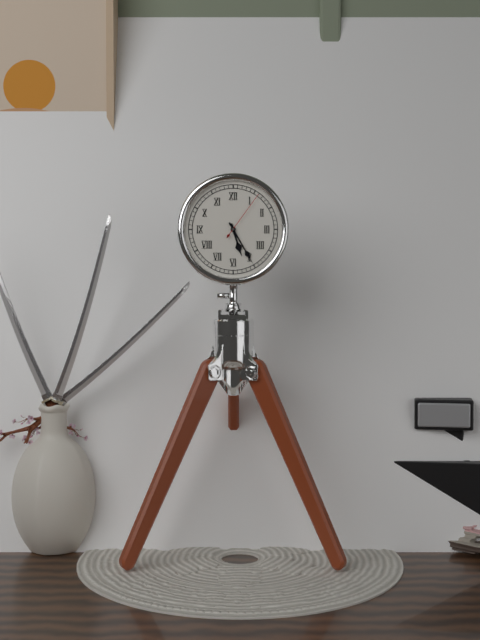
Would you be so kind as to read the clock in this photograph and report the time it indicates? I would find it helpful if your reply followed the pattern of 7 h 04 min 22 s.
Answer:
5 h 25 min 06 s
